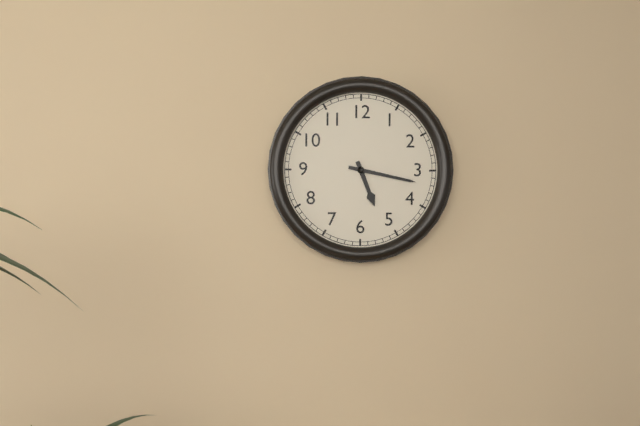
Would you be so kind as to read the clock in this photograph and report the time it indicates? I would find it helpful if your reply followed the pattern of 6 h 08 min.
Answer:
5 h 17 min
